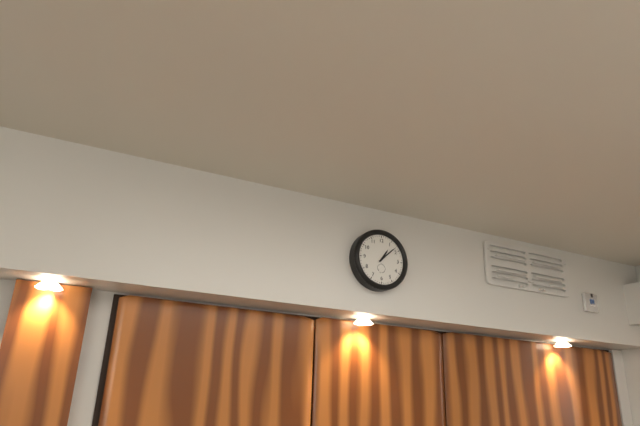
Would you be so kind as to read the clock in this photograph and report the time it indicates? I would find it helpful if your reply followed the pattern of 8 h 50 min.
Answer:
1 h 08 min
